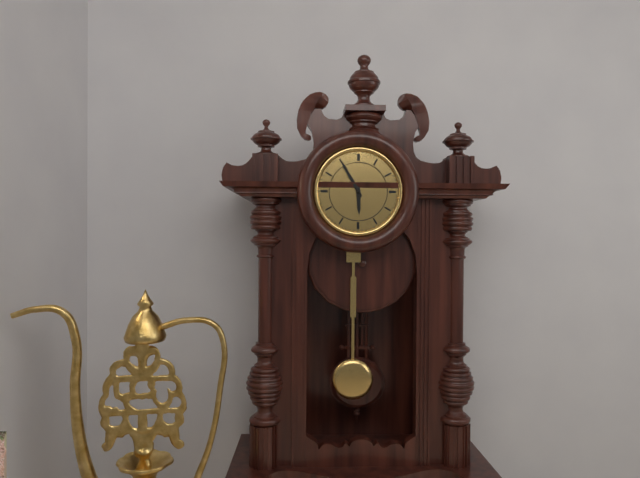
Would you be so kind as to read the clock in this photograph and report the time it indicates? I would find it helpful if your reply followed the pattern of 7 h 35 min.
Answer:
5 h 55 min
